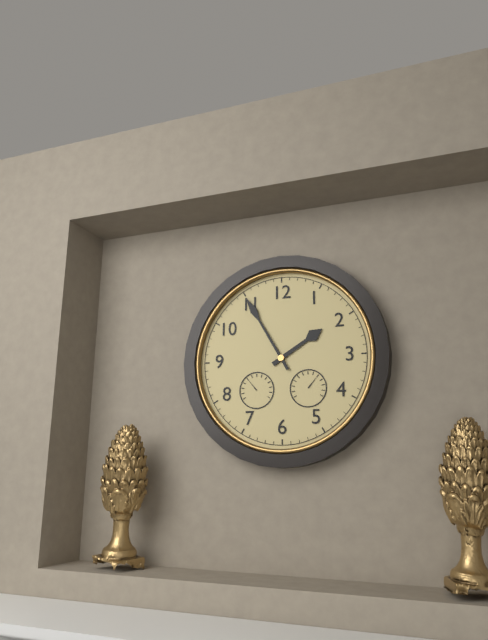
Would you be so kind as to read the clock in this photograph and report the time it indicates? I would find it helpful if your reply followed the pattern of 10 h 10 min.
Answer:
1 h 55 min
